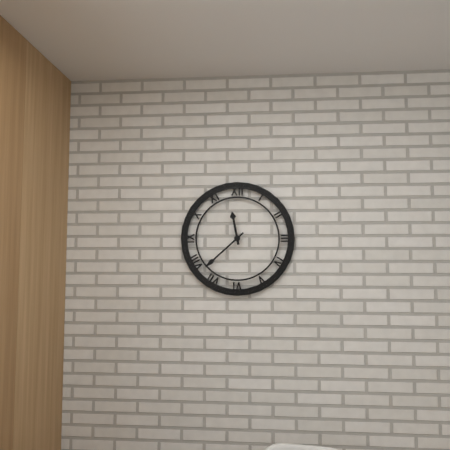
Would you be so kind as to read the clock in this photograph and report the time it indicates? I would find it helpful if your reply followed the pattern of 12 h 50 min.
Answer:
11 h 38 min
